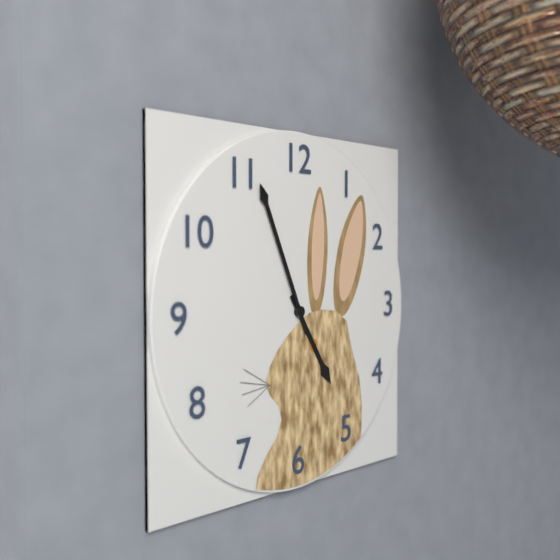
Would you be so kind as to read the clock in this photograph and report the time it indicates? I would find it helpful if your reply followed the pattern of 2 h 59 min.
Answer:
4 h 56 min
